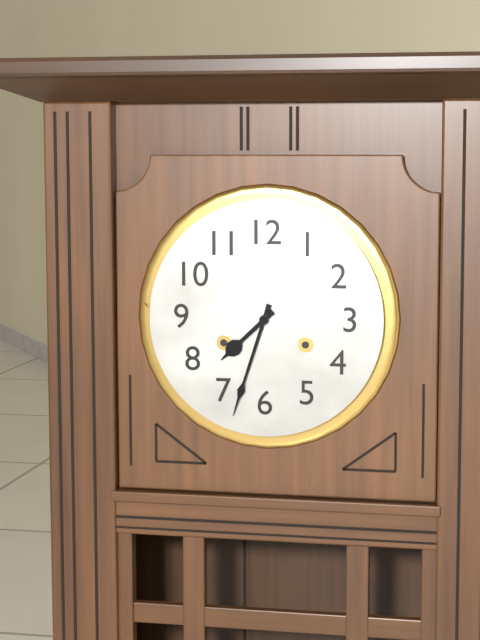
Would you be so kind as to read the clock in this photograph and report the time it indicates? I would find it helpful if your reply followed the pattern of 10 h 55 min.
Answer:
7 h 33 min
